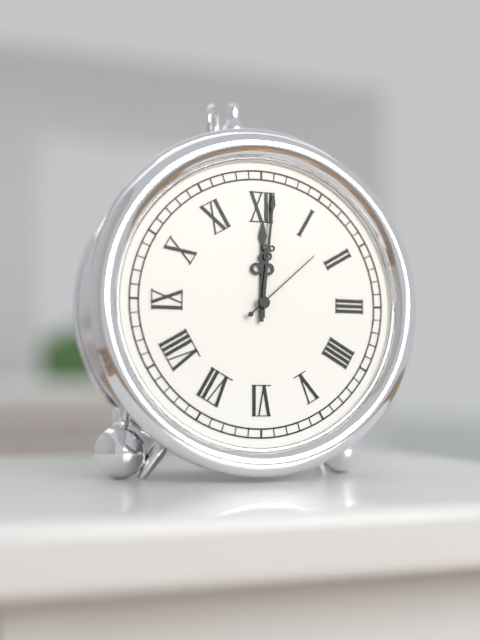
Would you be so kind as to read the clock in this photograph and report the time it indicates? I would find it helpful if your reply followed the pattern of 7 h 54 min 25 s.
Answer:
12 h 01 min 08 s
